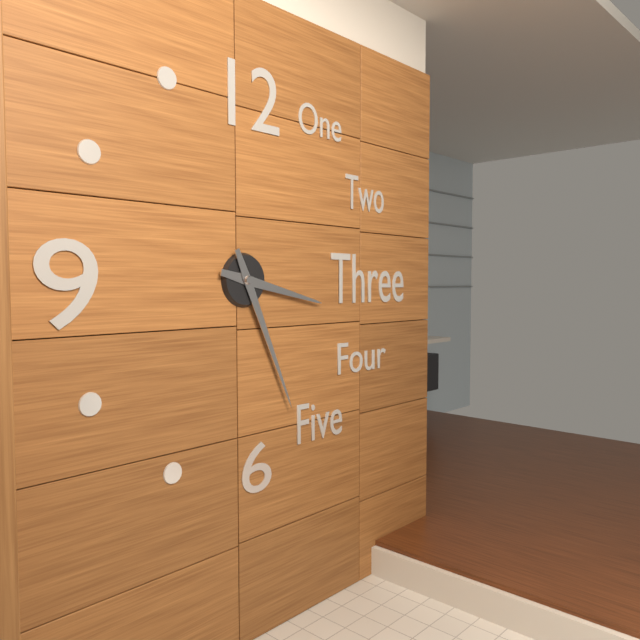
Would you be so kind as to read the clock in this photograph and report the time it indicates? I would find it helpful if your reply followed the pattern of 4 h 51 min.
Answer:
3 h 26 min
